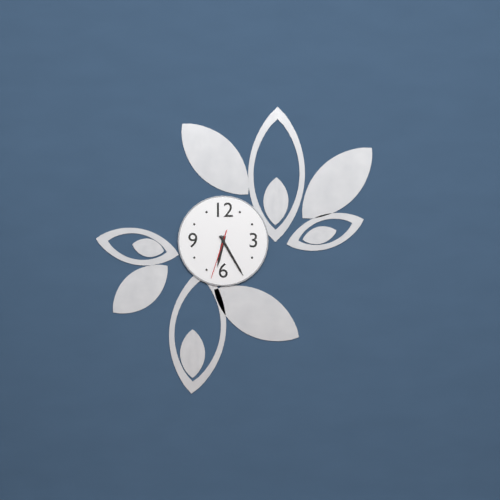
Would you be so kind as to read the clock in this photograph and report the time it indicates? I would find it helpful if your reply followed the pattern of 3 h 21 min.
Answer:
6 h 25 min
